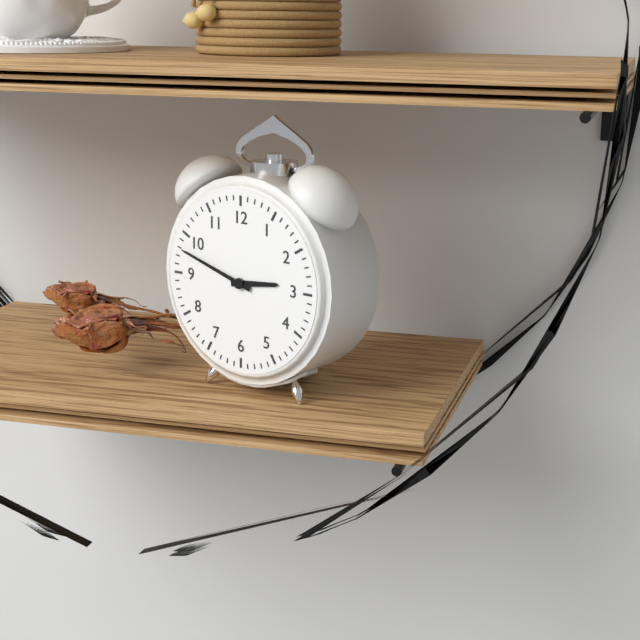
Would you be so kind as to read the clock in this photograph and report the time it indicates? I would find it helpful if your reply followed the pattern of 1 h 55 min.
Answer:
2 h 48 min
